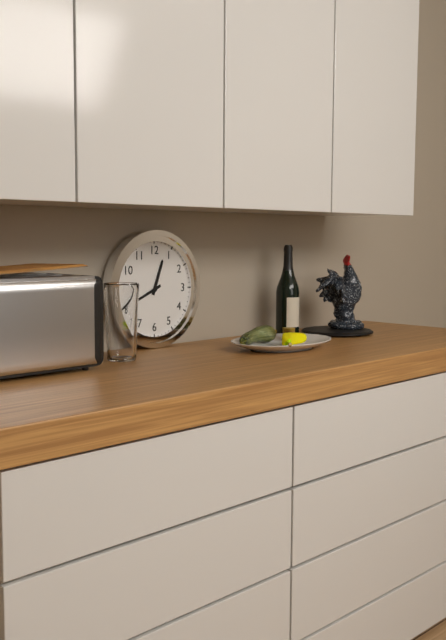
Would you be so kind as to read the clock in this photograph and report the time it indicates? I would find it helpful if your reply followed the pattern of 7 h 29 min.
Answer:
12 h 41 min
